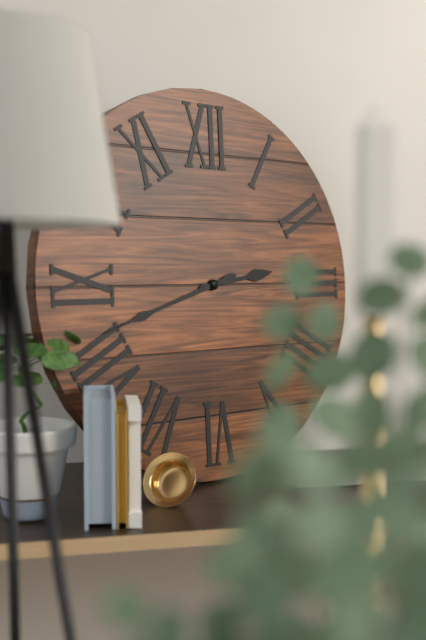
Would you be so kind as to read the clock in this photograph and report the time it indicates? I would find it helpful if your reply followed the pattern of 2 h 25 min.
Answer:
2 h 42 min
